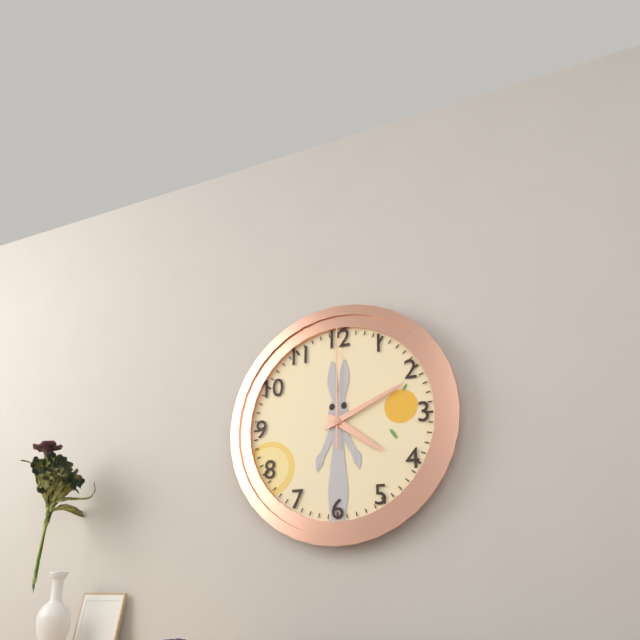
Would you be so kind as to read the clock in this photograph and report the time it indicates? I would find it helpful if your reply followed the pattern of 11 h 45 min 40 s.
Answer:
4 h 11 min 00 s
